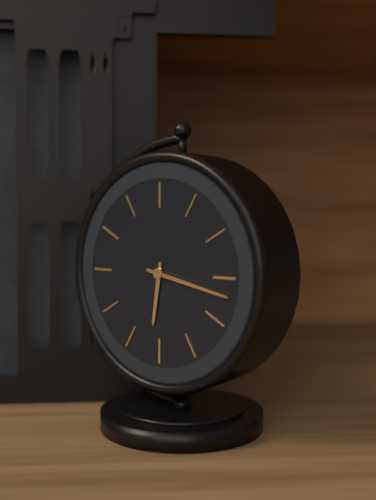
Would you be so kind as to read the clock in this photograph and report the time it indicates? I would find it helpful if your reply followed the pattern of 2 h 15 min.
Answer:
6 h 17 min
